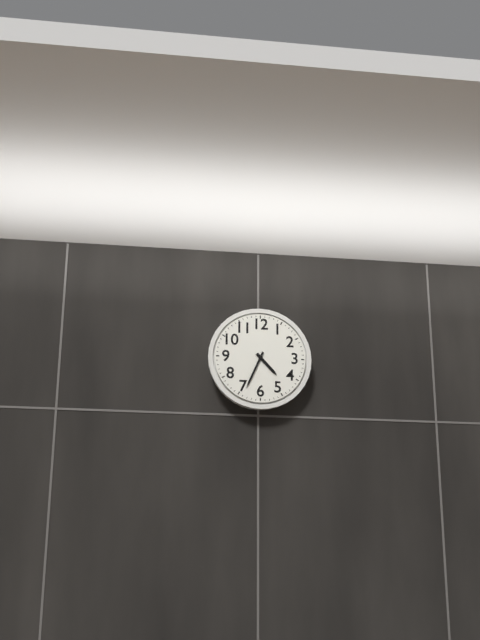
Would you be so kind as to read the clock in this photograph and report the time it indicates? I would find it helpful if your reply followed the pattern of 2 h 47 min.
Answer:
4 h 34 min
